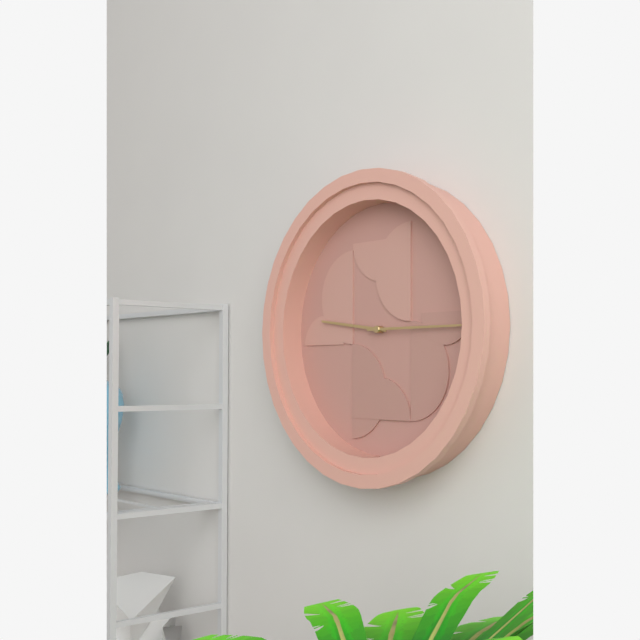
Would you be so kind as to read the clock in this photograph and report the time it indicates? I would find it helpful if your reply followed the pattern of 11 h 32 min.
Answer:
9 h 15 min
